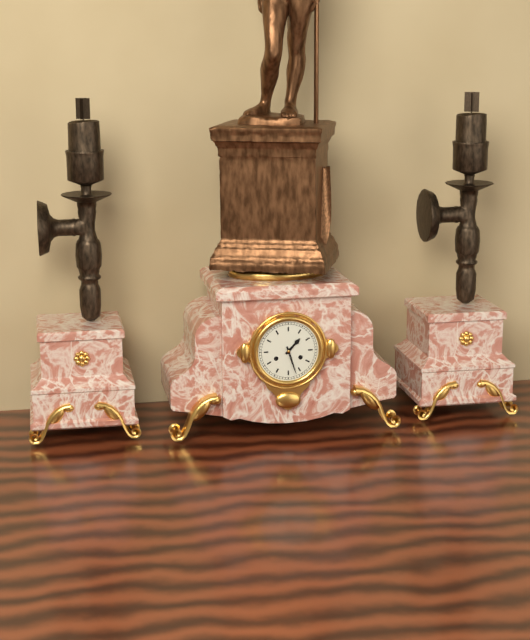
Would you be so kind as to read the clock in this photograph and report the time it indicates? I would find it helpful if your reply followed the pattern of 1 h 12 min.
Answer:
1 h 27 min
